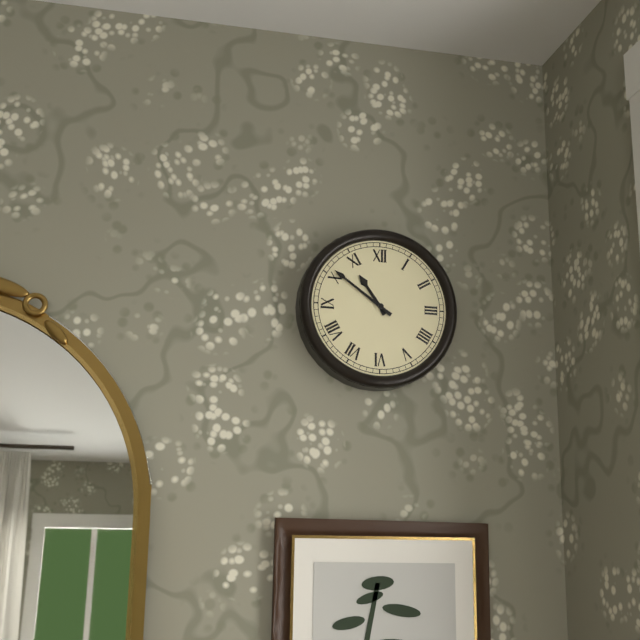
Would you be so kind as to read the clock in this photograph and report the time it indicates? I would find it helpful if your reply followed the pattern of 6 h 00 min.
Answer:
10 h 51 min
